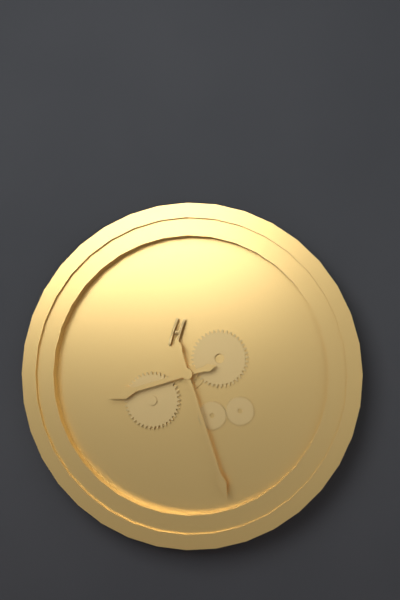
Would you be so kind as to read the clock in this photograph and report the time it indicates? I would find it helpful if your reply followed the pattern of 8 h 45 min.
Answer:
8 h 27 min
